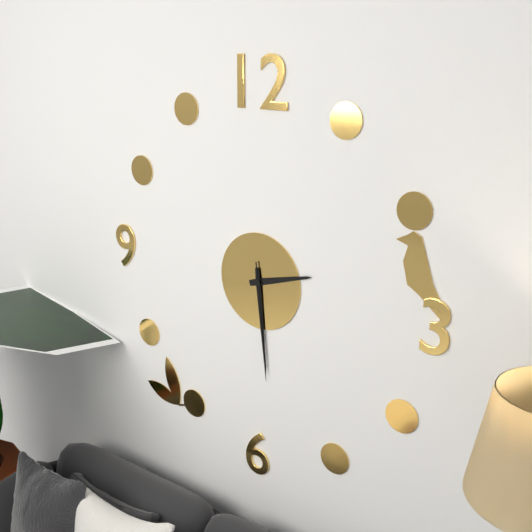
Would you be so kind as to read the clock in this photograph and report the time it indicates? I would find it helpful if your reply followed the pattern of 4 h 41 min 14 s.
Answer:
2 h 29 min 29 s
